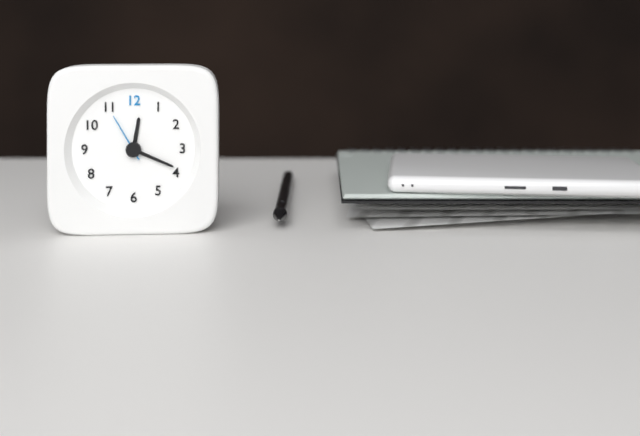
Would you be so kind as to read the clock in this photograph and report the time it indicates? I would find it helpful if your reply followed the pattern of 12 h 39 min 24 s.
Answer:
12 h 19 min 55 s
